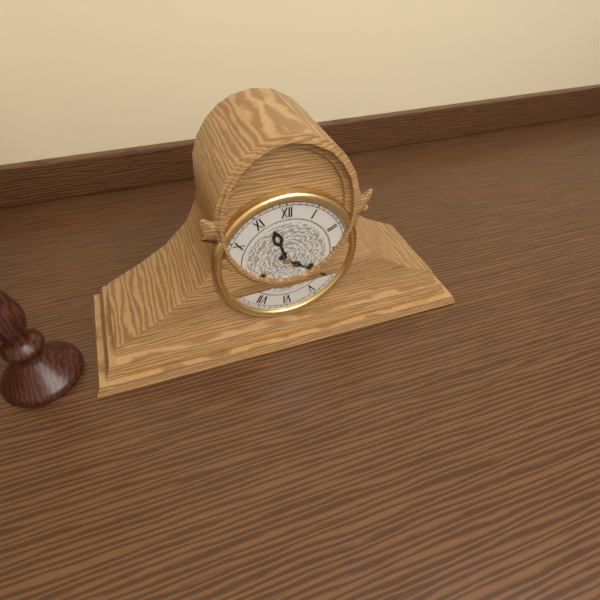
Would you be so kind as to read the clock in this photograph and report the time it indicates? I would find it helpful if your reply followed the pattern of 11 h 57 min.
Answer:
11 h 21 min
